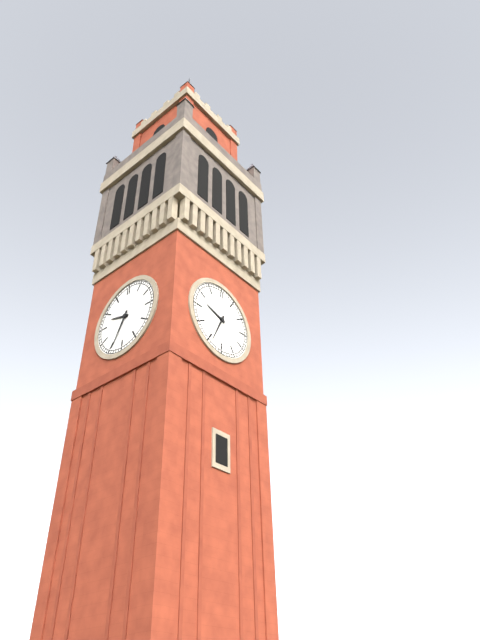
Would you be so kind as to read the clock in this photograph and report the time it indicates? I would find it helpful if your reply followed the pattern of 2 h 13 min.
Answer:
9 h 34 min
